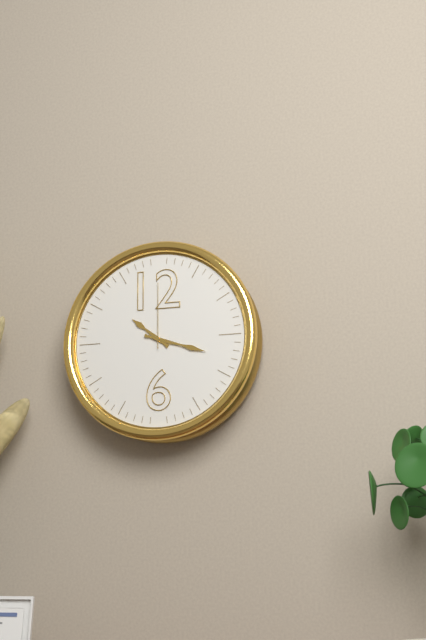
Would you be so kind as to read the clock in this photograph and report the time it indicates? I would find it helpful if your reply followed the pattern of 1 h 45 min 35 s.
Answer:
10 h 18 min 00 s
